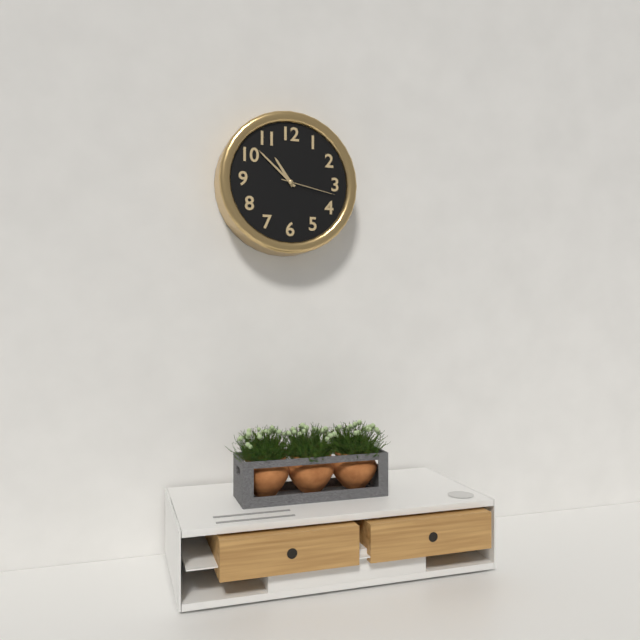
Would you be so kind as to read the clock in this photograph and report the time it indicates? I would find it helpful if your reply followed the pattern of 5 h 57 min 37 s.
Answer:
10 h 52 min 17 s
